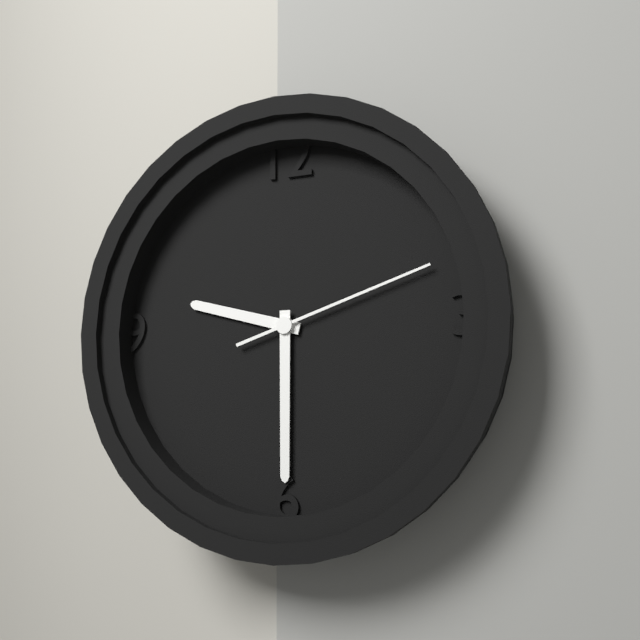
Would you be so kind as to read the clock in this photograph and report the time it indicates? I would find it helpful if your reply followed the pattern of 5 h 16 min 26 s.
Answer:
9 h 30 min 12 s
